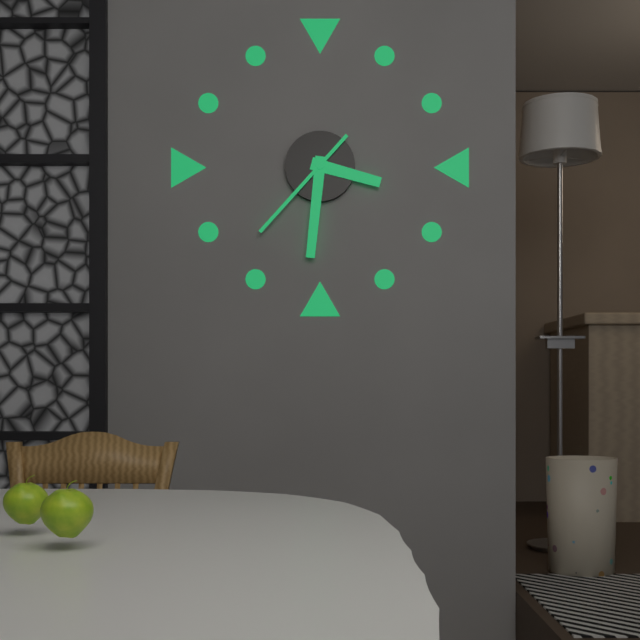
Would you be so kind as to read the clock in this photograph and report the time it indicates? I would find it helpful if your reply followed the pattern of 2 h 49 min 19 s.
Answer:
3 h 31 min 37 s
